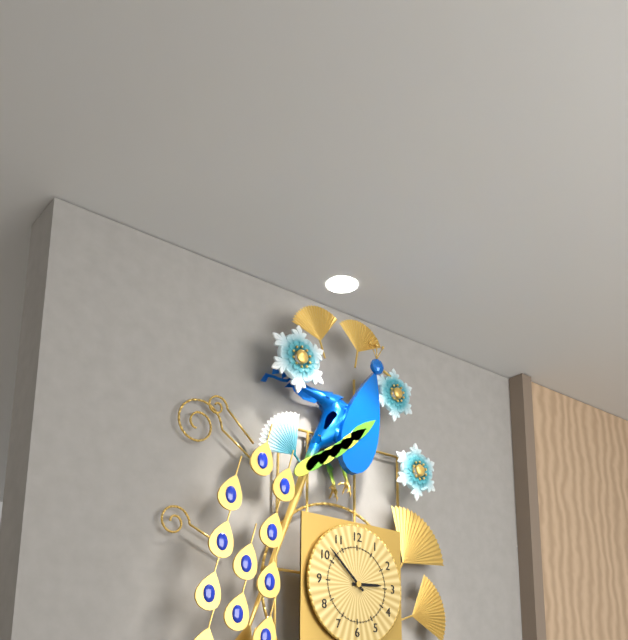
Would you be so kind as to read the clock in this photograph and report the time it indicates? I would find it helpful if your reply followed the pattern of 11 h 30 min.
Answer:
2 h 52 min
